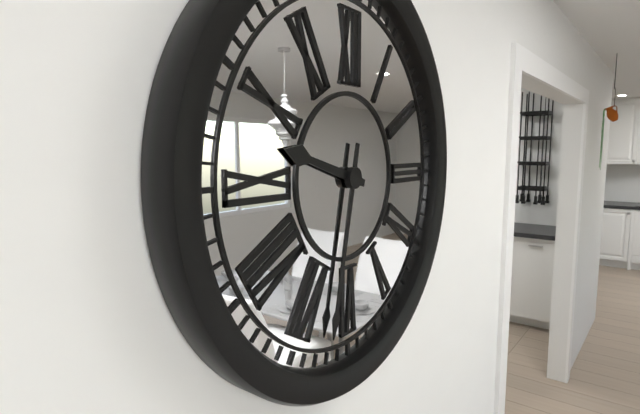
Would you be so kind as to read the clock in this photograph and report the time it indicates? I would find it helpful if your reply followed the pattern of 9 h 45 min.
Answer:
9 h 32 min
